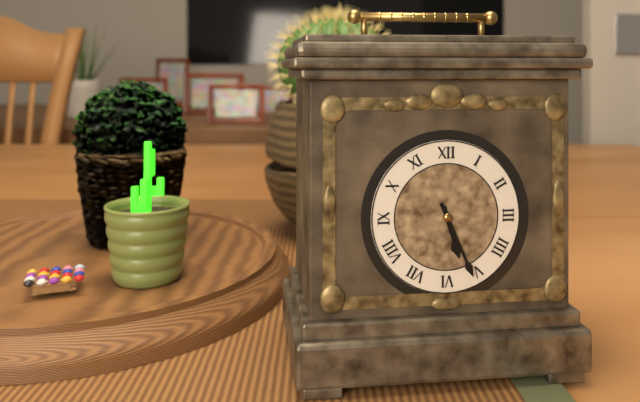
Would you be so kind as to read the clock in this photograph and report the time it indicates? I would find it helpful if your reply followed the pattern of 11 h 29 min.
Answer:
5 h 26 min
